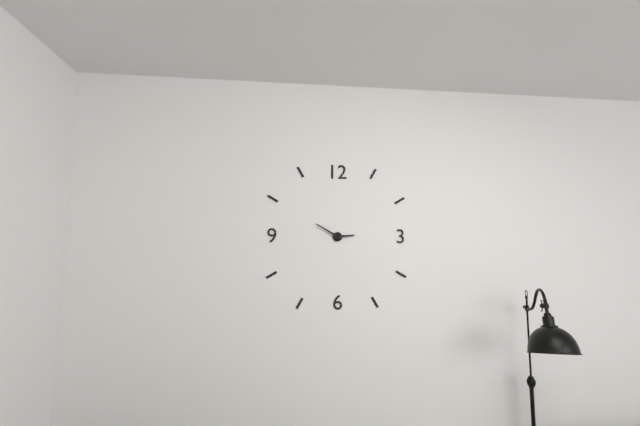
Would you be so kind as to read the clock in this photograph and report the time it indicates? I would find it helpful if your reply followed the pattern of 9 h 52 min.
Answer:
2 h 50 min
